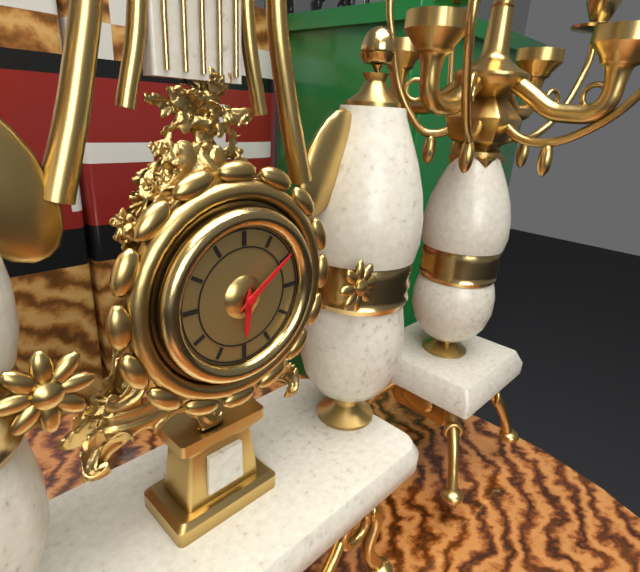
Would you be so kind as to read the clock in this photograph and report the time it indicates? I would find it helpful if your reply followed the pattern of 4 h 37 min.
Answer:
6 h 09 min
